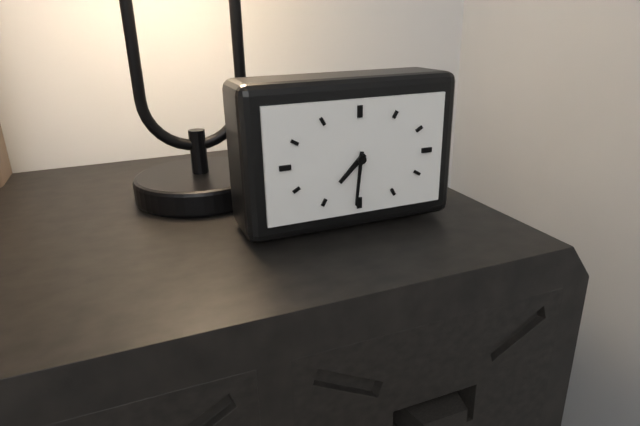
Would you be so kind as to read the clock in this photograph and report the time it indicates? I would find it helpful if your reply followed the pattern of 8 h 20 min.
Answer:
7 h 31 min
